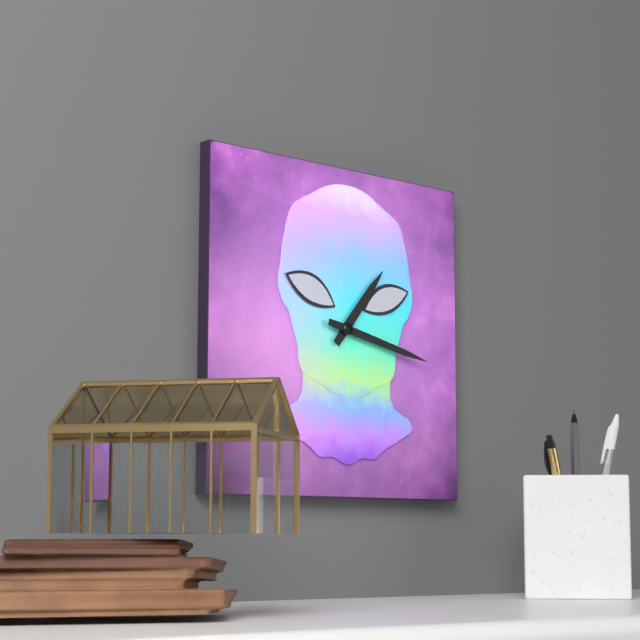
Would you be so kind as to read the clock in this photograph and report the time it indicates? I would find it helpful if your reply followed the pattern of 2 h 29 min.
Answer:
1 h 17 min
